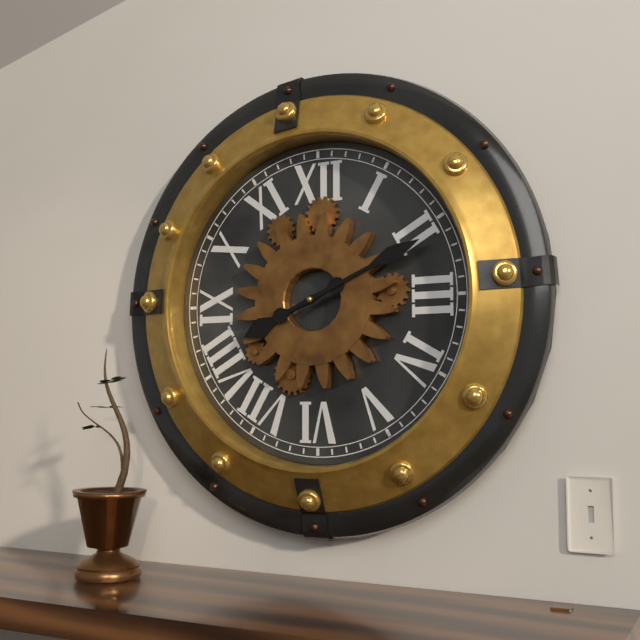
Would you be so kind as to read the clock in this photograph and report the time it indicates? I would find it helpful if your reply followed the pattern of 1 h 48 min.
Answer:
8 h 11 min
